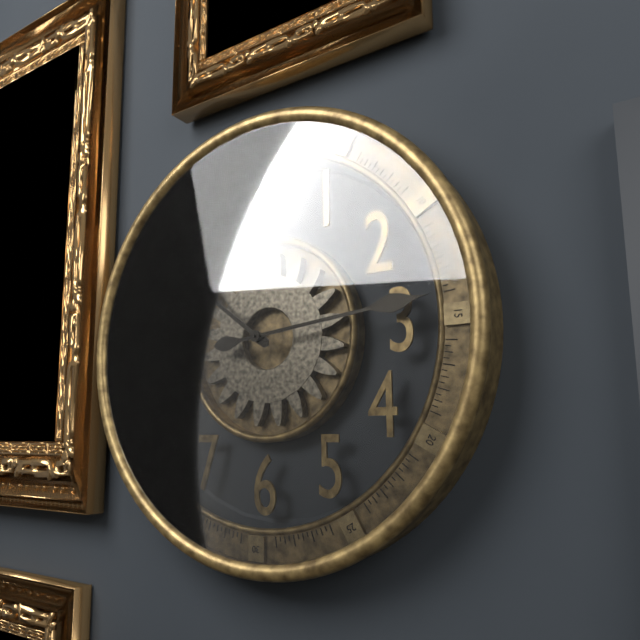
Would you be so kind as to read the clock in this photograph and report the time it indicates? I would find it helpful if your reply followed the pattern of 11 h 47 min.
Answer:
10 h 14 min
